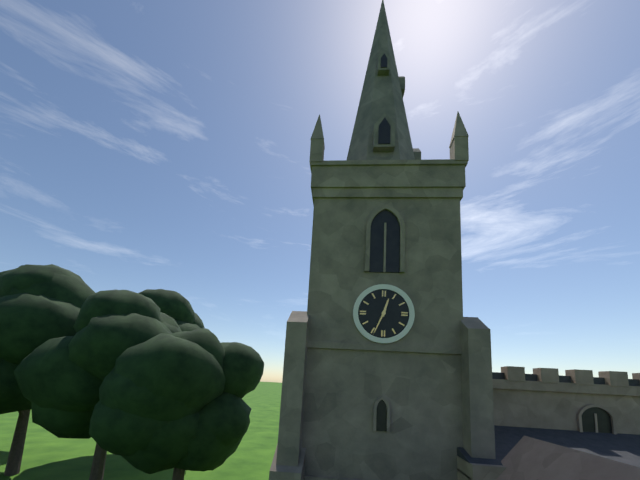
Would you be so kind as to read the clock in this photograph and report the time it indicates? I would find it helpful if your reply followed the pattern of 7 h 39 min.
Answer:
12 h 34 min
